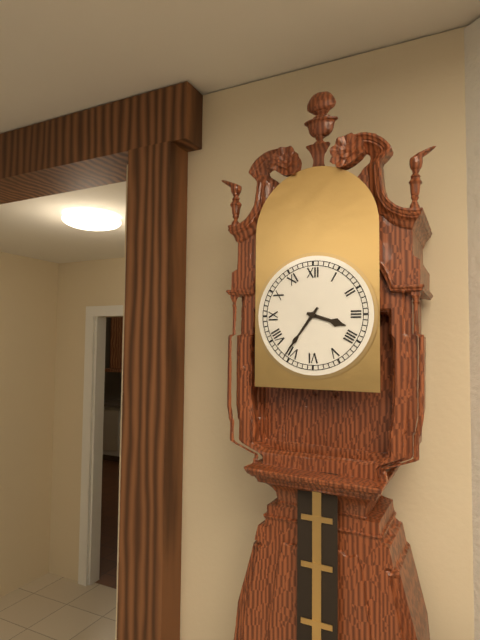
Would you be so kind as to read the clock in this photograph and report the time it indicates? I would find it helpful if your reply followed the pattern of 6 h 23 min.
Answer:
3 h 36 min
